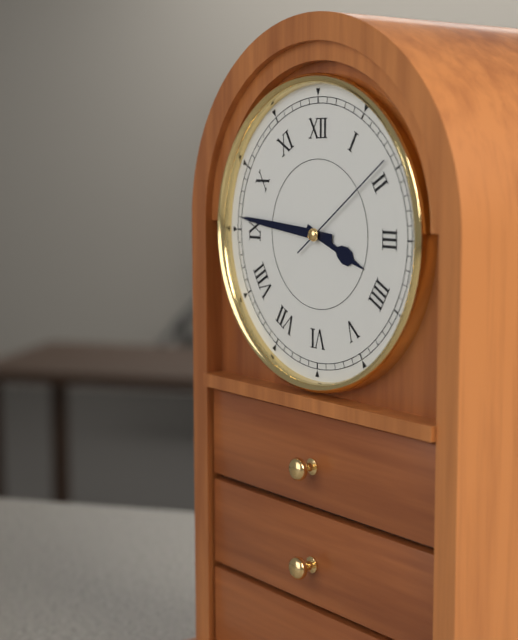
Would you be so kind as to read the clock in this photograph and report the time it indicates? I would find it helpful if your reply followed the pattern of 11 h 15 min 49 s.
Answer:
3 h 46 min 09 s
